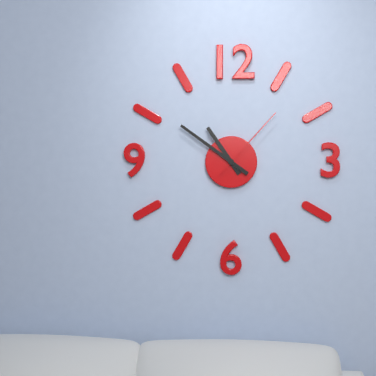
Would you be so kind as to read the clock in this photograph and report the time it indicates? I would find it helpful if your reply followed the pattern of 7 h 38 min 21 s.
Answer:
10 h 51 min 07 s
